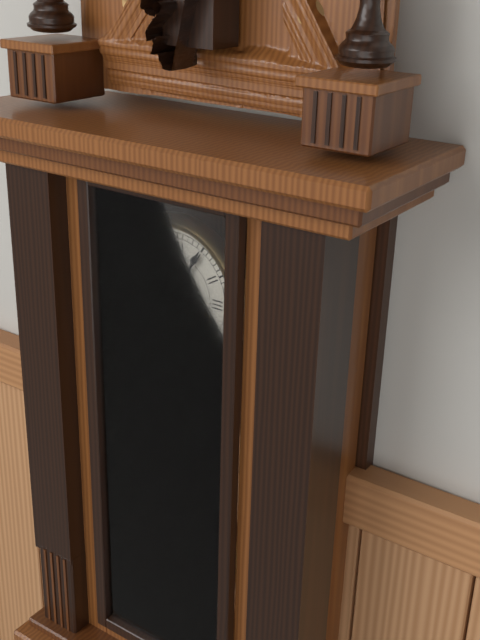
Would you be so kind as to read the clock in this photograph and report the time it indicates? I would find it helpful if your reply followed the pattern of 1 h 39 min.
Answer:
8 h 05 min
